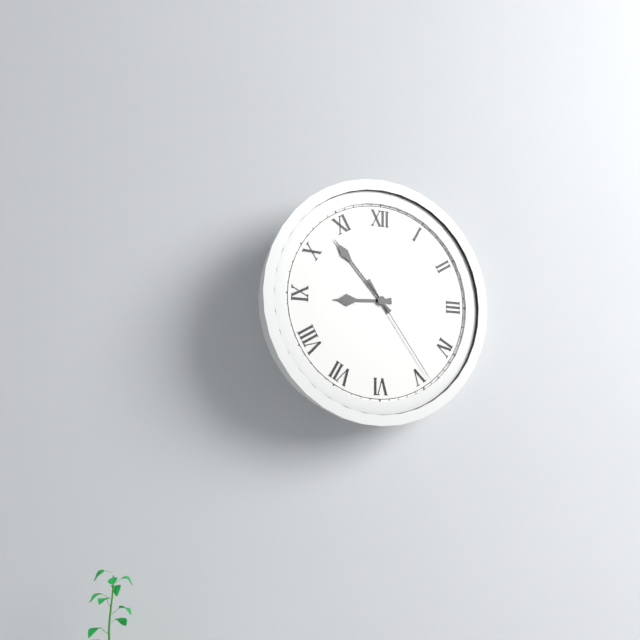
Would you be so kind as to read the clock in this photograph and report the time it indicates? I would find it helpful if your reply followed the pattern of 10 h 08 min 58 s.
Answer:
8 h 53 min 24 s
